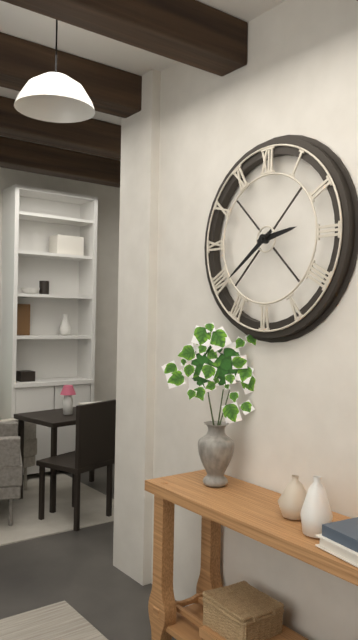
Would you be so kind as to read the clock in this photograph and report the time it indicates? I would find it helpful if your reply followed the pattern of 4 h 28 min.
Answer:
2 h 39 min
